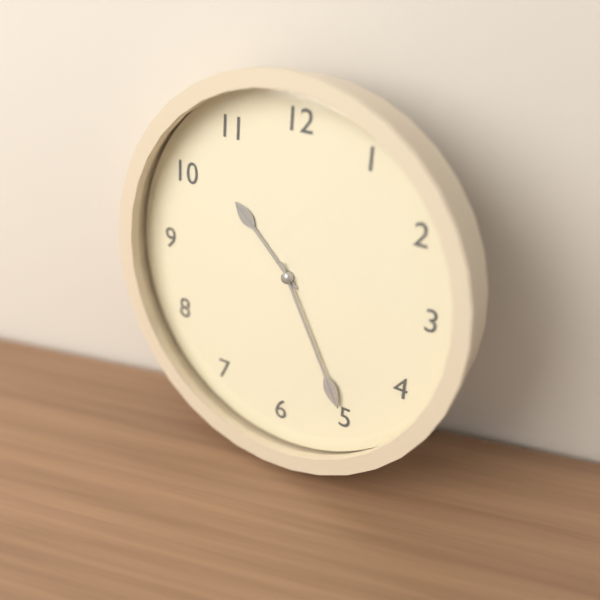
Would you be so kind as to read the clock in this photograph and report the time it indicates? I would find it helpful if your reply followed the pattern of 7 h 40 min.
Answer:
10 h 25 min
